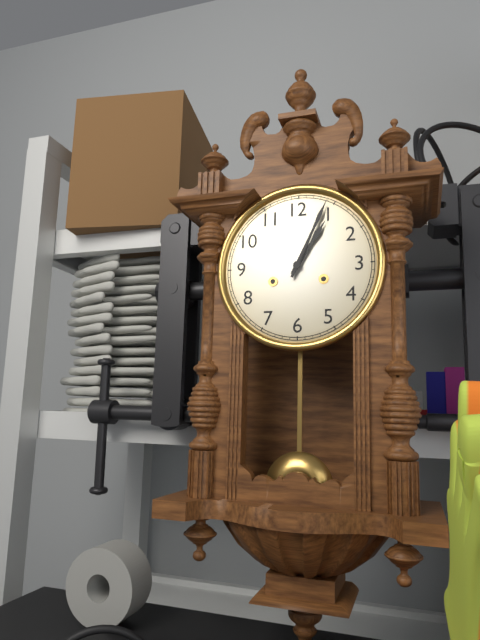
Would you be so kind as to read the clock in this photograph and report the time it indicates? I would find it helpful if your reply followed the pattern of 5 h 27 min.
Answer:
1 h 04 min
